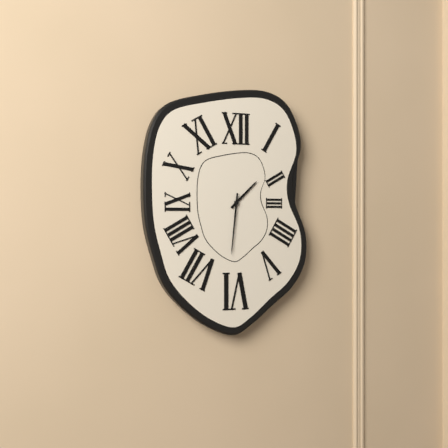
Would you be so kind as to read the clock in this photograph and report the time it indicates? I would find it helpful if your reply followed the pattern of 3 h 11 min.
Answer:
1 h 31 min
